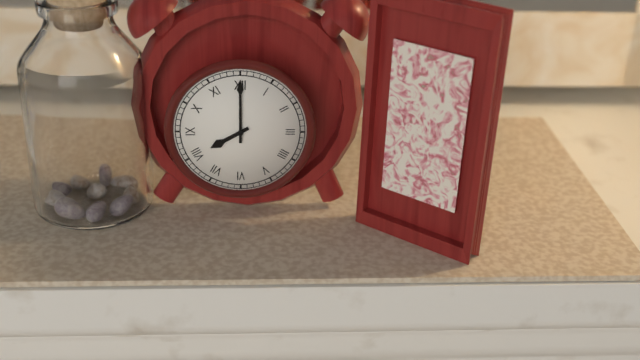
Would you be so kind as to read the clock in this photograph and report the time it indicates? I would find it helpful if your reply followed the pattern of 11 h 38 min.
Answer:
8 h 00 min
